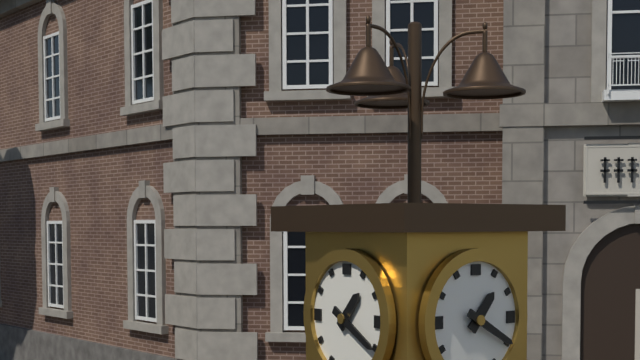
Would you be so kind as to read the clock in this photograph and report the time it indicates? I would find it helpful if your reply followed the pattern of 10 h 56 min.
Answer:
1 h 20 min
